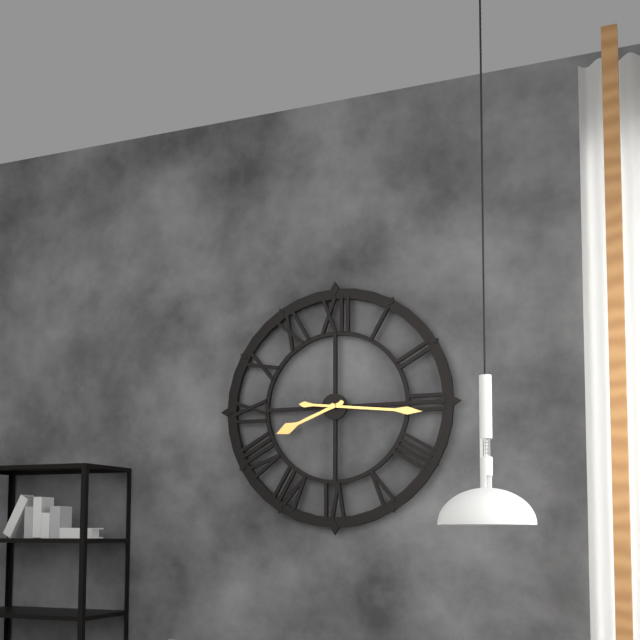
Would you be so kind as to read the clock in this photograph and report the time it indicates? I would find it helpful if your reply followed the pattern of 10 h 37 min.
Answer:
8 h 16 min
